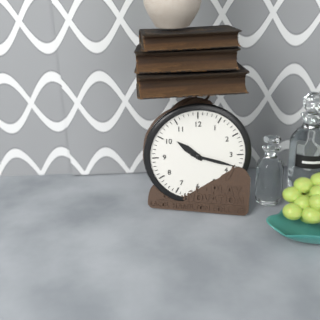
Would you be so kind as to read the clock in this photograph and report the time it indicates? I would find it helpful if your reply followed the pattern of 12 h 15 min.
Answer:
10 h 18 min
